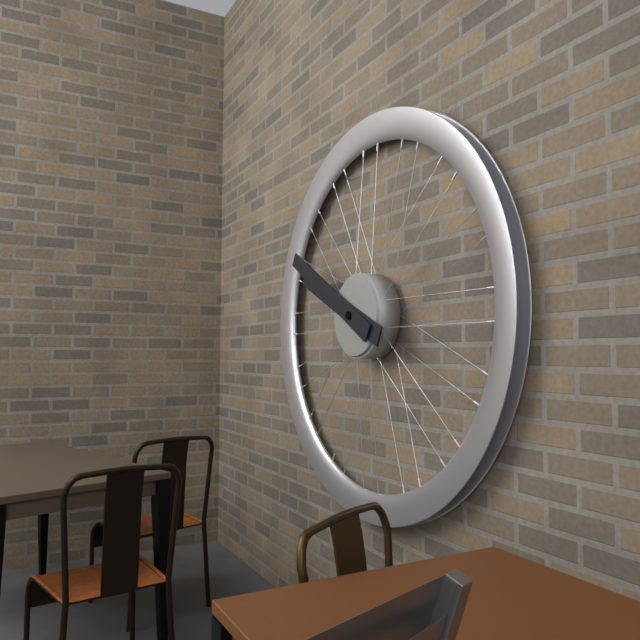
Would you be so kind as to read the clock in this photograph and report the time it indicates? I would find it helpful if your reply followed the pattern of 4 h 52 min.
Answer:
9 h 50 min
